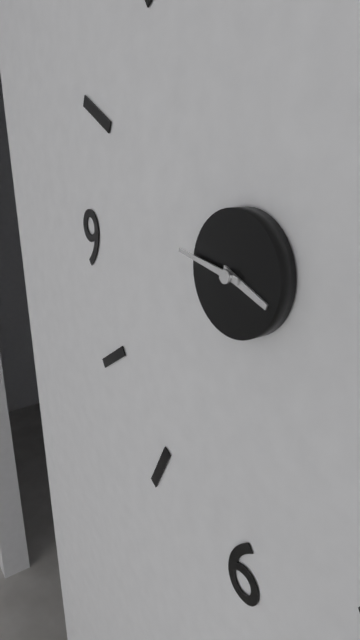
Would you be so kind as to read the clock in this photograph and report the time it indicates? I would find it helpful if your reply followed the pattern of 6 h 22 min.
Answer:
3 h 47 min
